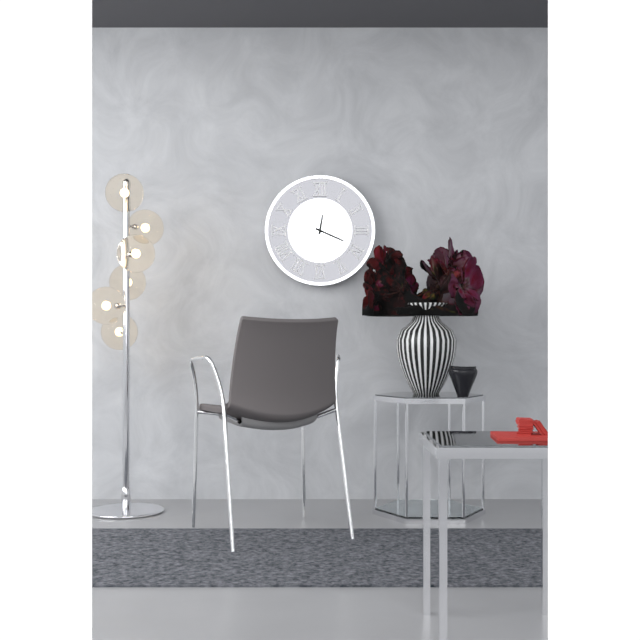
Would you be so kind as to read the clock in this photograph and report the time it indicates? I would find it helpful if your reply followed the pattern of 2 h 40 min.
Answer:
12 h 19 min
